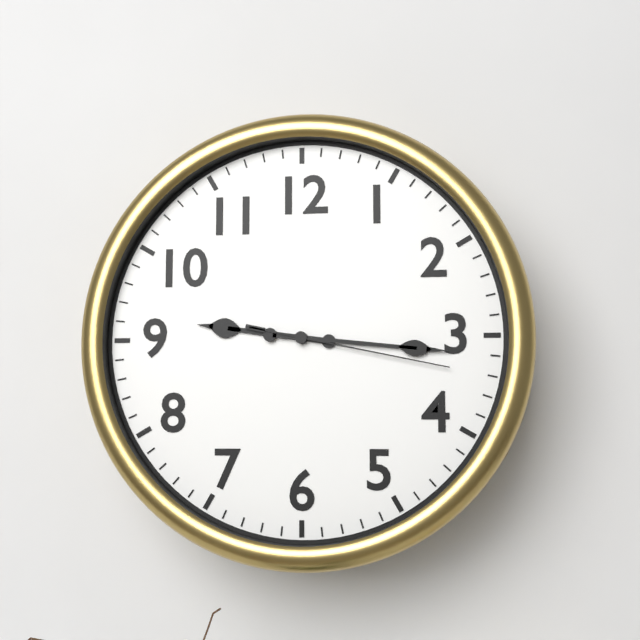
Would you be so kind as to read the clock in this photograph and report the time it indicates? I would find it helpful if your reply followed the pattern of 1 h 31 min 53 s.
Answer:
9 h 16 min 17 s
